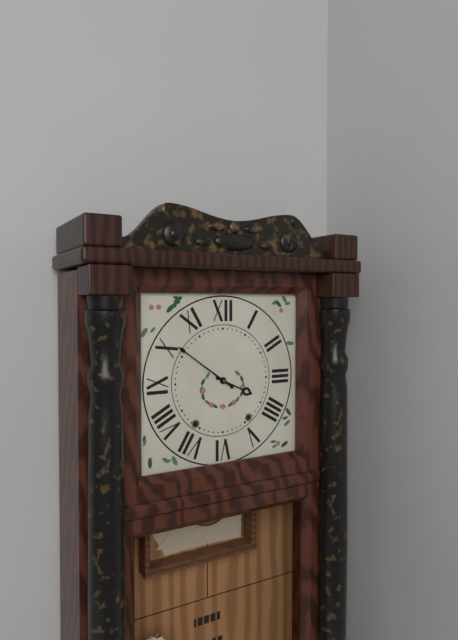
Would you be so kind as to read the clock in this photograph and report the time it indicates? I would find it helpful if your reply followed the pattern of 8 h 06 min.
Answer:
3 h 51 min
